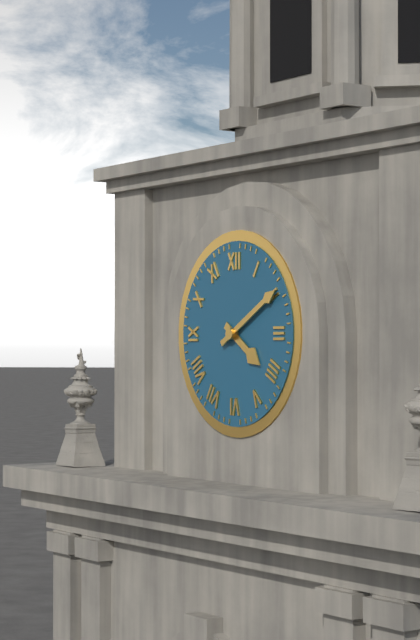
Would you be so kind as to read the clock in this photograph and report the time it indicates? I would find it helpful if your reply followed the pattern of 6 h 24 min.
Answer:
4 h 10 min
